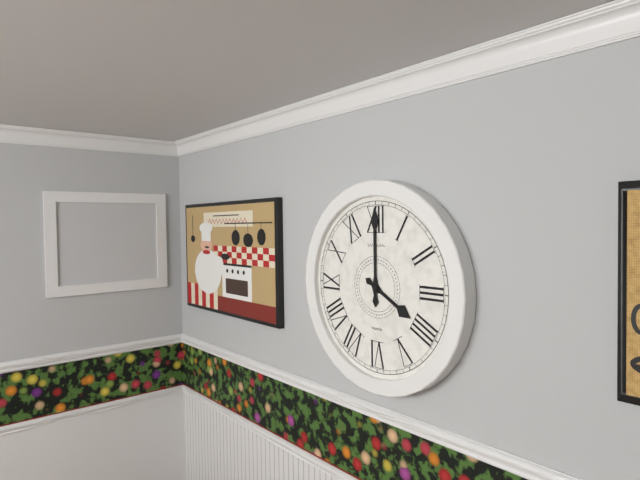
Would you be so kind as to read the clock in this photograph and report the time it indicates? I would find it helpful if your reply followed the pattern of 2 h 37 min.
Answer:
4 h 00 min
